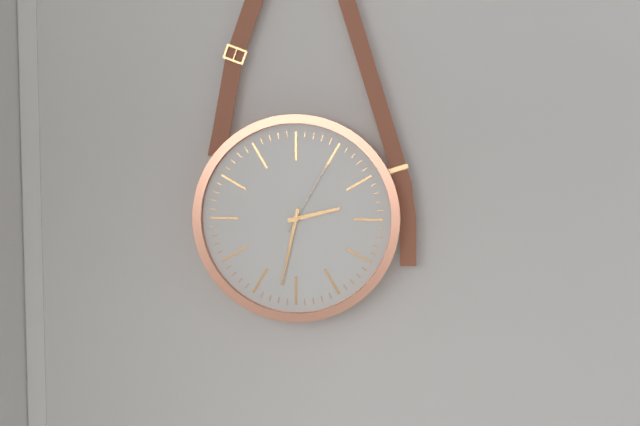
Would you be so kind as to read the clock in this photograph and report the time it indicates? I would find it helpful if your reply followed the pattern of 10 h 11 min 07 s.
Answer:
2 h 32 min 05 s
